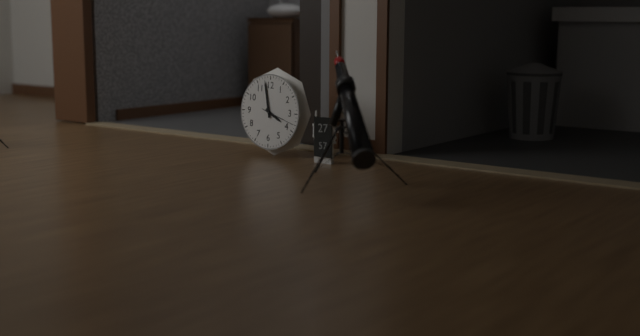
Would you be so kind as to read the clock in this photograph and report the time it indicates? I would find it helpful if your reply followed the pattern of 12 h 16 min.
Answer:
3 h 58 min
